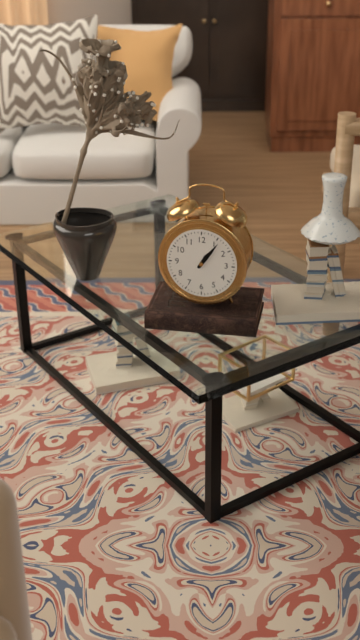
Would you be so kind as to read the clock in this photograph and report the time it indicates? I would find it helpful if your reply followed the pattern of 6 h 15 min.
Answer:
1 h 06 min
